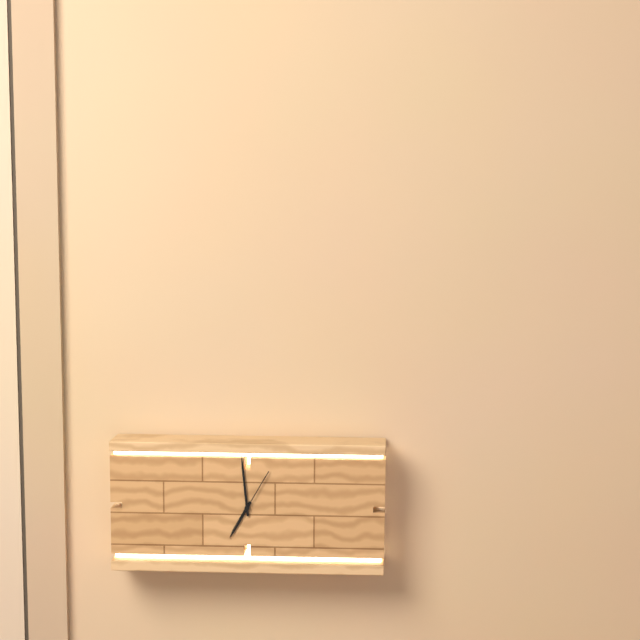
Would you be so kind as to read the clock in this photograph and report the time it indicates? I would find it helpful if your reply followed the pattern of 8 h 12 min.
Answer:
6 h 59 min
